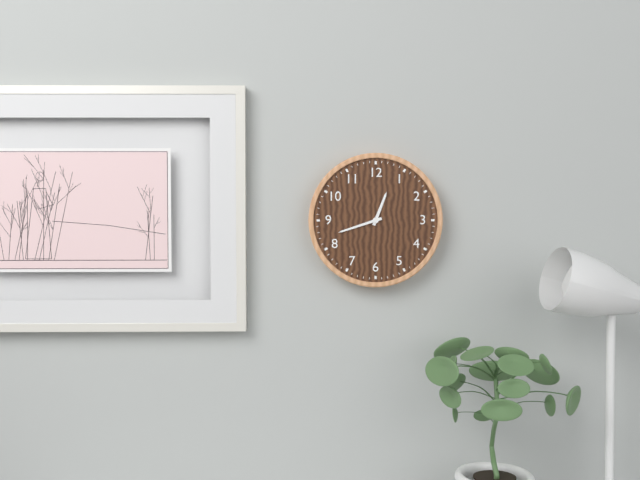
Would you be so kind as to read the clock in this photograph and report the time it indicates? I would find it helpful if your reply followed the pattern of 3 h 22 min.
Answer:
12 h 42 min
